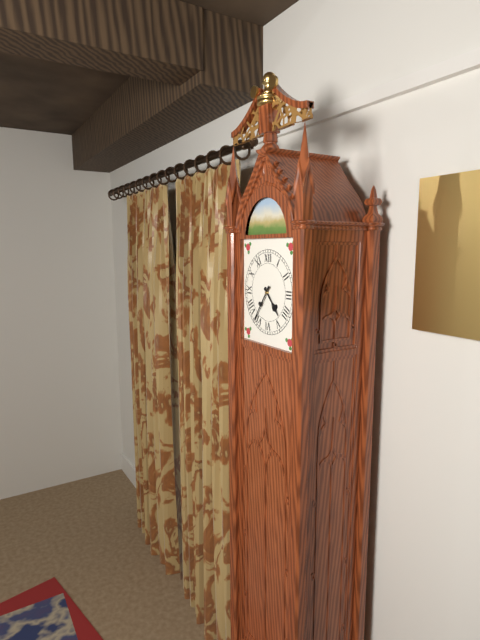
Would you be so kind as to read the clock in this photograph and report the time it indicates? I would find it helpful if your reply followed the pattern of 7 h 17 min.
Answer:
4 h 36 min
